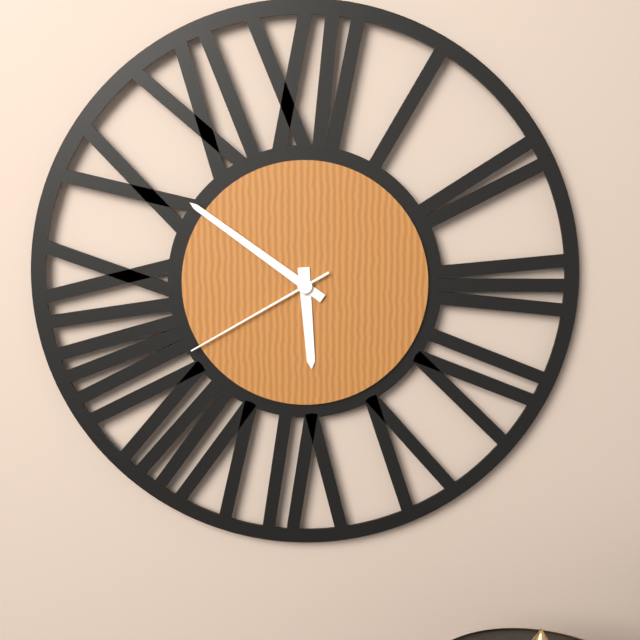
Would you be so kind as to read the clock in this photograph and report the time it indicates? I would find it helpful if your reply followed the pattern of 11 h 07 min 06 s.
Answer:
5 h 51 min 40 s
